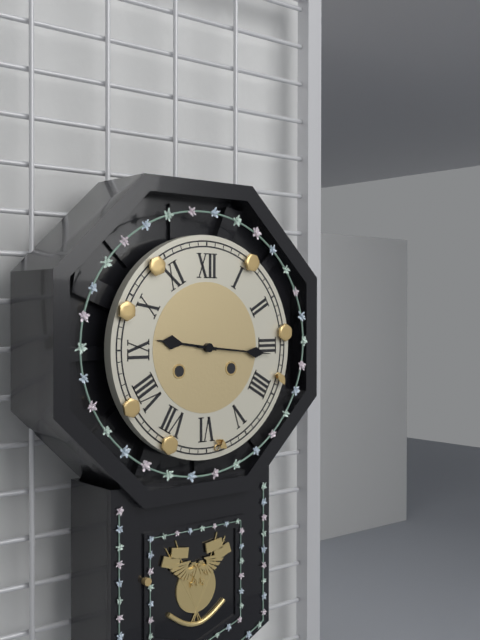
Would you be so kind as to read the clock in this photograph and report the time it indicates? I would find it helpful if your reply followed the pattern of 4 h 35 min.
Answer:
9 h 16 min
